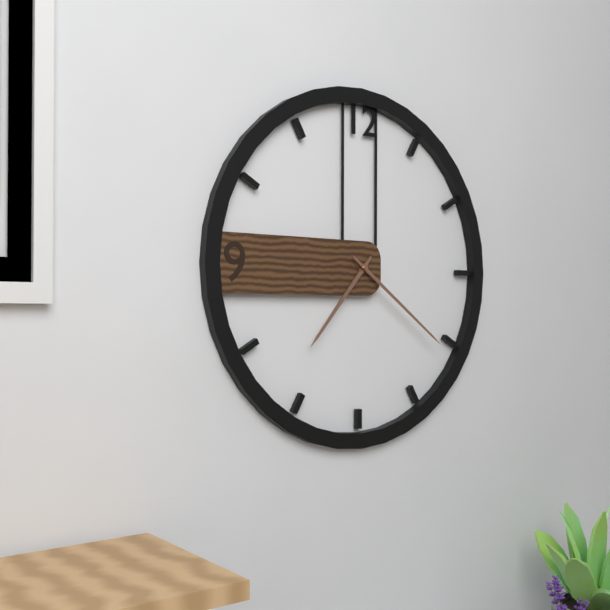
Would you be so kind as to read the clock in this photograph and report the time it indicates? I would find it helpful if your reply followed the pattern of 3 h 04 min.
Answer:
7 h 21 min
